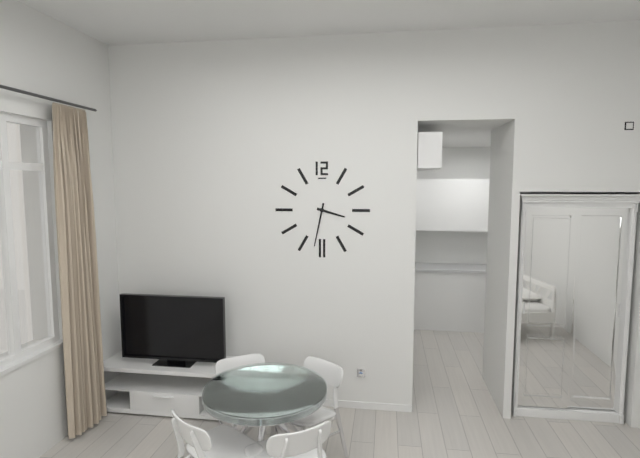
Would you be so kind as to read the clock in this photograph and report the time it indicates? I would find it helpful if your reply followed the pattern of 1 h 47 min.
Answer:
3 h 32 min
